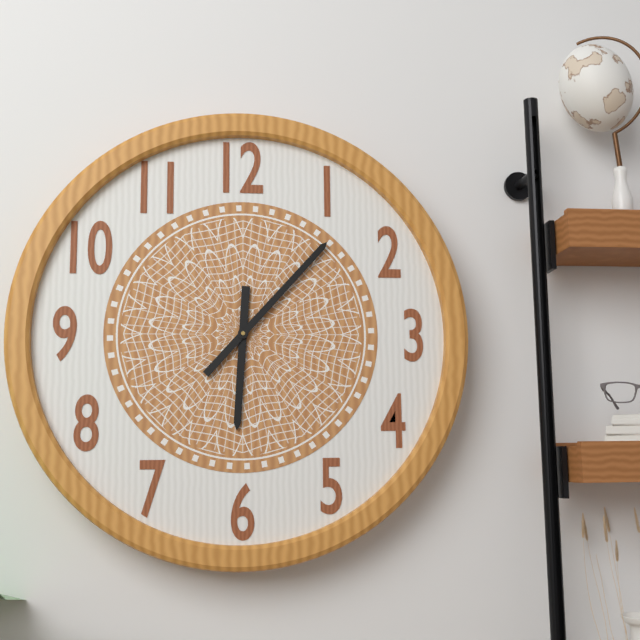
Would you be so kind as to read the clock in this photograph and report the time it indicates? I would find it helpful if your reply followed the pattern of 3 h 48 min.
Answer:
6 h 07 min
